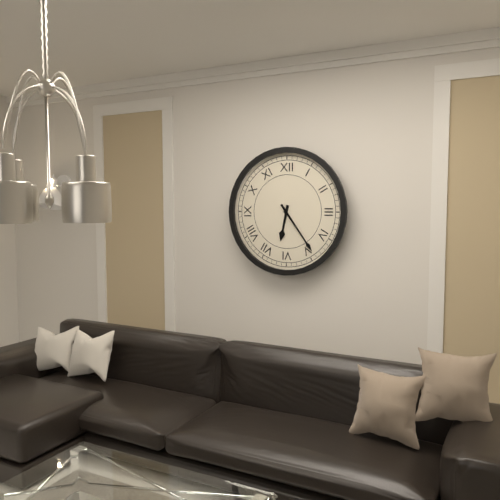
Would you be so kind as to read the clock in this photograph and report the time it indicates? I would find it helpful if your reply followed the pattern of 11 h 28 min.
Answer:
6 h 24 min
